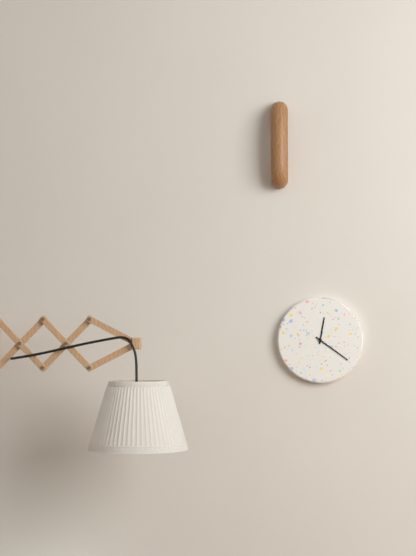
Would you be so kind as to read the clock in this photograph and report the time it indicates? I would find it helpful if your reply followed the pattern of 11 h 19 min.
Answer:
12 h 21 min
